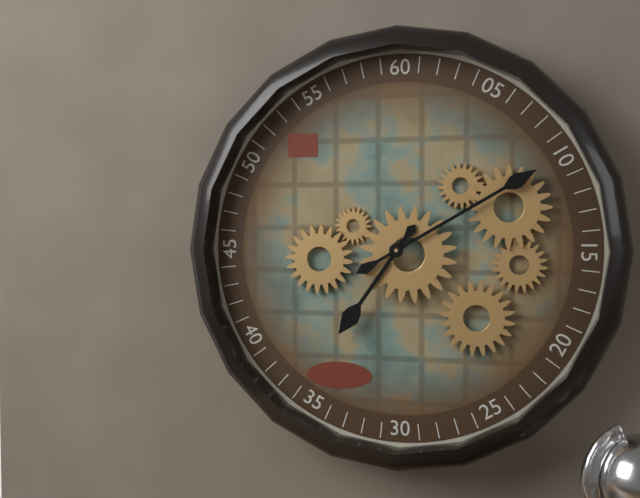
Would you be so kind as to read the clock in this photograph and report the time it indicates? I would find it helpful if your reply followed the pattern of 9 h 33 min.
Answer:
7 h 10 min
